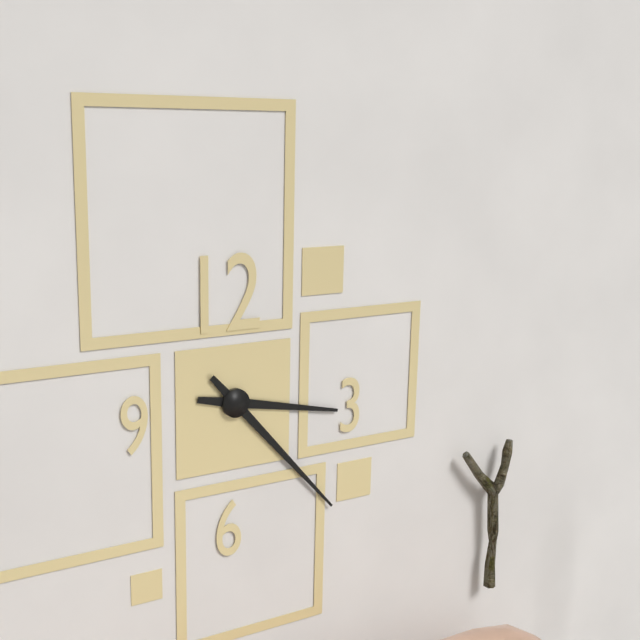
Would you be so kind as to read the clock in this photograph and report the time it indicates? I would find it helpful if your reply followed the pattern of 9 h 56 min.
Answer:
3 h 23 min
